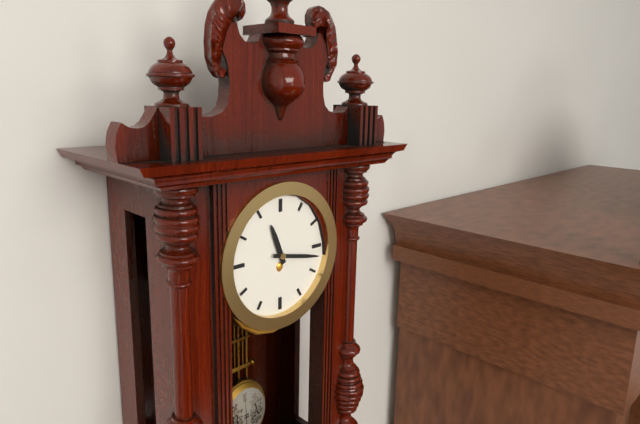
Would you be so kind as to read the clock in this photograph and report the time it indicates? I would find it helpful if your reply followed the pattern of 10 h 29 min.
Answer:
11 h 17 min
